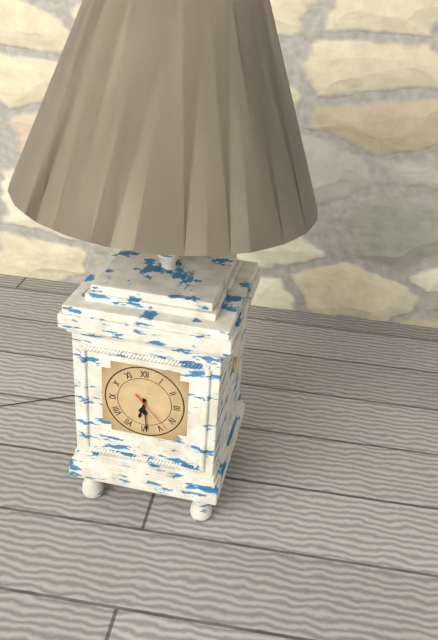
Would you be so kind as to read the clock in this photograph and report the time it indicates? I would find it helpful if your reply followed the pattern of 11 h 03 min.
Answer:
6 h 29 min
